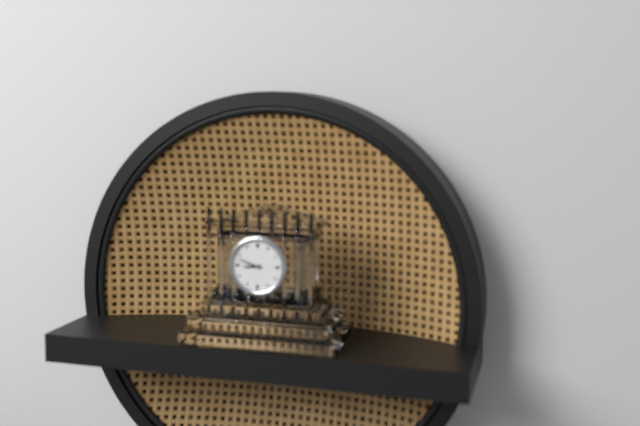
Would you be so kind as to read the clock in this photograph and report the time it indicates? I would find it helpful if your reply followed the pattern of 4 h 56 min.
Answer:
8 h 48 min
